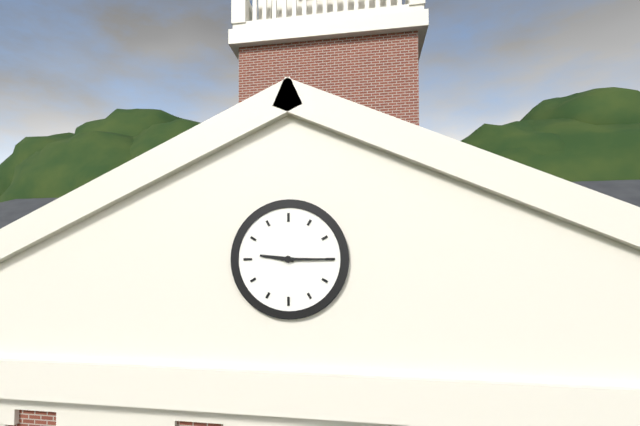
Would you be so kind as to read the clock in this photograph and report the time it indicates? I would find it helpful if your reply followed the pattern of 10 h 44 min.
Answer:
9 h 15 min
